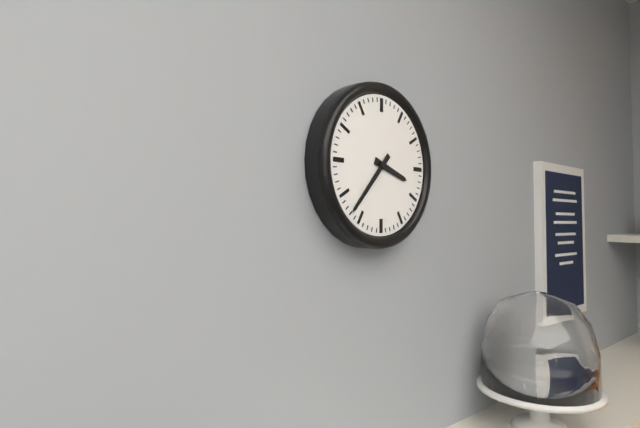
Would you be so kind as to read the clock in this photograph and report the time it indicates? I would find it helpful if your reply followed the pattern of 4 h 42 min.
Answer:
3 h 37 min
